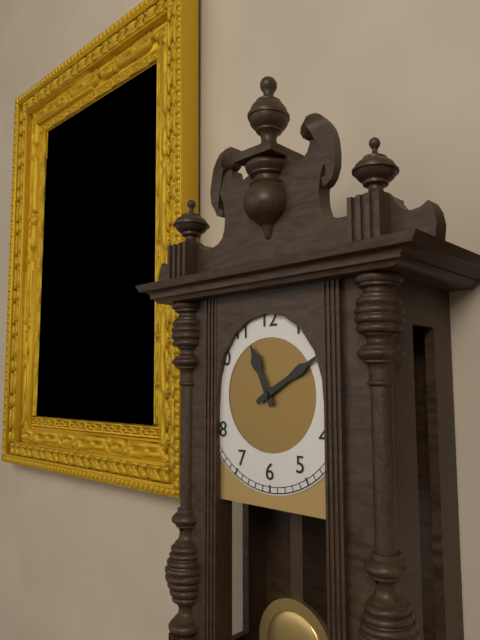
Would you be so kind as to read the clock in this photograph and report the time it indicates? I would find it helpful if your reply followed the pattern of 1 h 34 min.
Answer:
11 h 10 min
